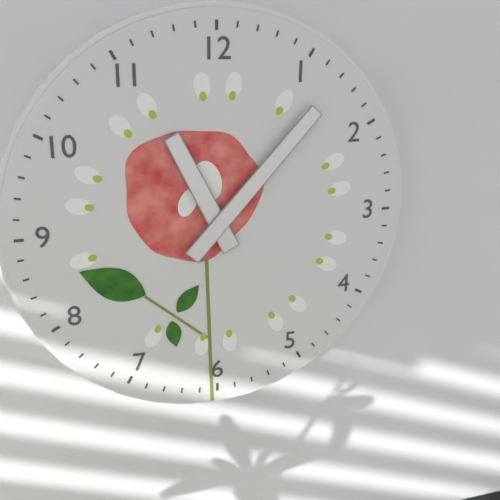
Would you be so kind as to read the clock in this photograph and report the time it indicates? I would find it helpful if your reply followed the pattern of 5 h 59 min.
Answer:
11 h 07 min
